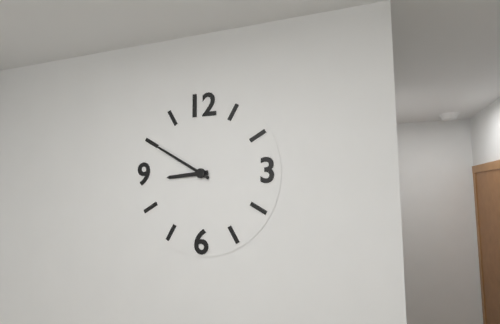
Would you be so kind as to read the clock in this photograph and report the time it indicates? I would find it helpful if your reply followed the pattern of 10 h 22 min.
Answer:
8 h 50 min
